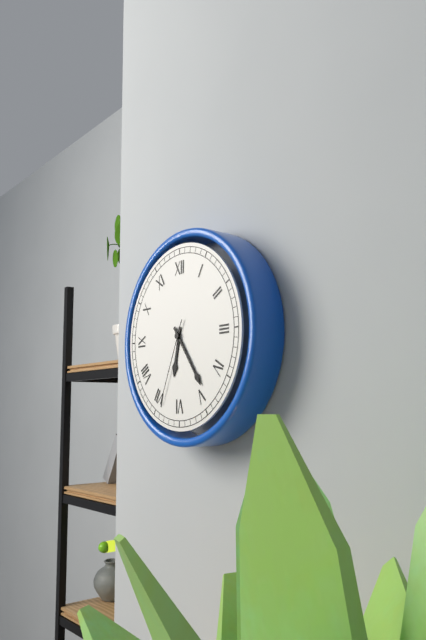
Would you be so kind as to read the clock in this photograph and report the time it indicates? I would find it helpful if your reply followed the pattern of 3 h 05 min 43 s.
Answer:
6 h 24 min 34 s
